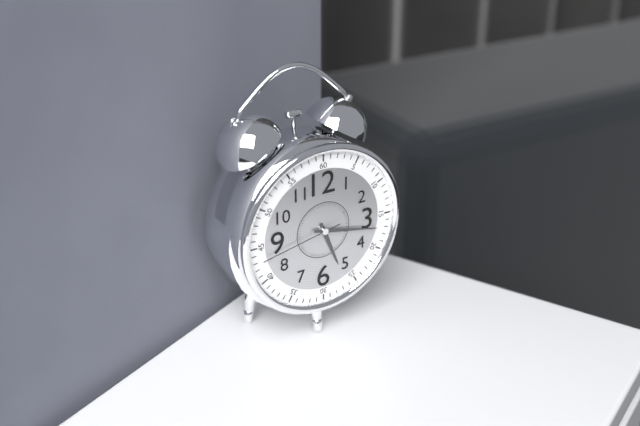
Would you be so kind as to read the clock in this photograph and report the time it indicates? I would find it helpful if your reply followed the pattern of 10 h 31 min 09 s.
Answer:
5 h 17 min 43 s
